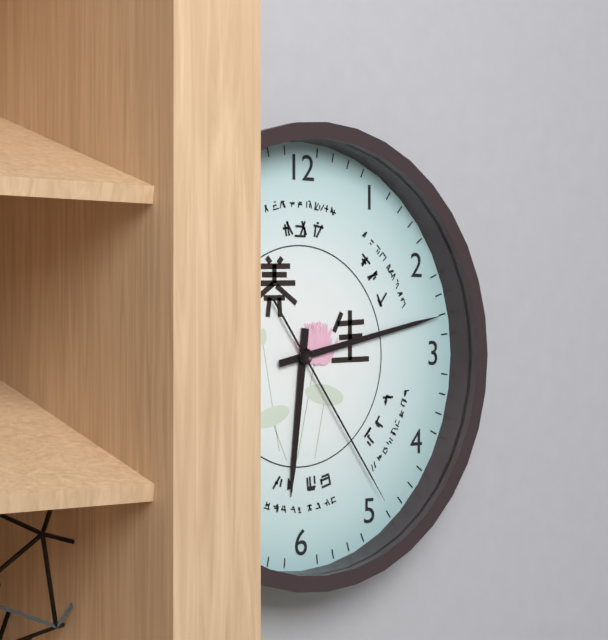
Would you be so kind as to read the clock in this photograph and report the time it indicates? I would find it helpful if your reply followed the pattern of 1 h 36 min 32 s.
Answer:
6 h 13 min 24 s
